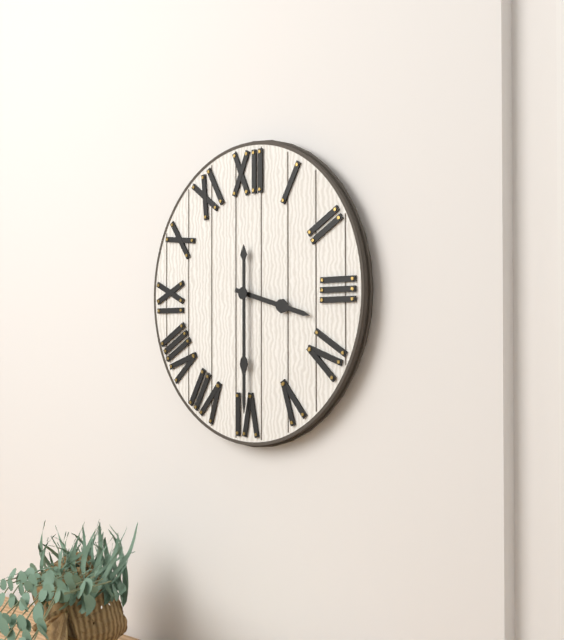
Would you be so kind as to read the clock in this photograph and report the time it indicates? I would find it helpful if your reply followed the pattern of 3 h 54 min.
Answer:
3 h 30 min
